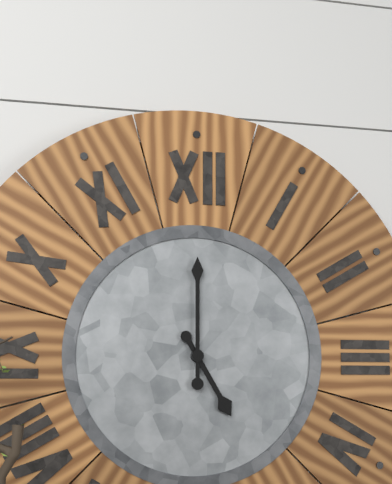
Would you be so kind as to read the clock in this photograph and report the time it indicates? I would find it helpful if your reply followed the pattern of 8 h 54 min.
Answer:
5 h 00 min
